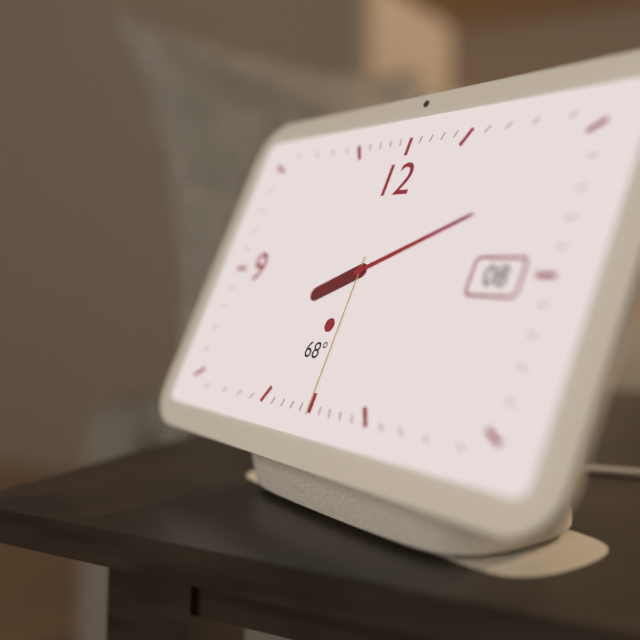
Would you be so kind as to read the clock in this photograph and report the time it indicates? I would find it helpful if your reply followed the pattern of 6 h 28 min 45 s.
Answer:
8 h 11 min 30 s
